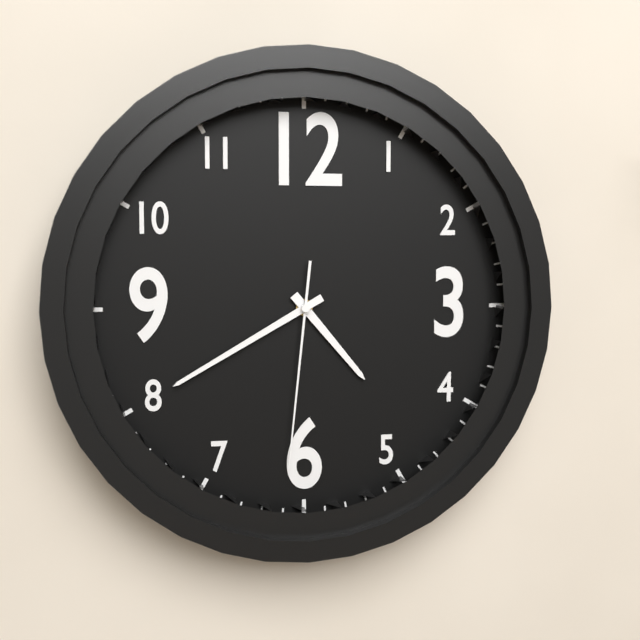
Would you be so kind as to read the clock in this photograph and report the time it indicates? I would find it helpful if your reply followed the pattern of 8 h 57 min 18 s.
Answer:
4 h 40 min 31 s
